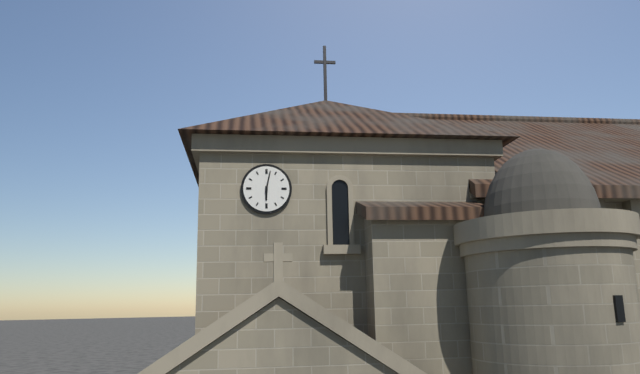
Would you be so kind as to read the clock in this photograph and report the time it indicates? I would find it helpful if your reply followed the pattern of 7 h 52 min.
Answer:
6 h 02 min
